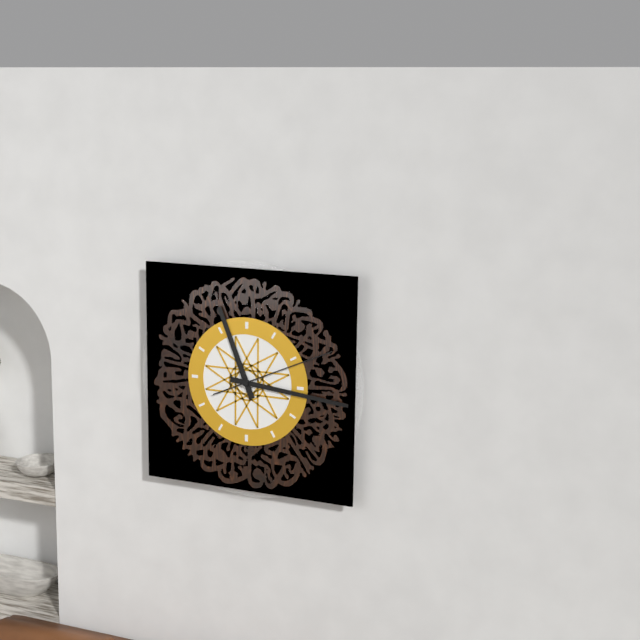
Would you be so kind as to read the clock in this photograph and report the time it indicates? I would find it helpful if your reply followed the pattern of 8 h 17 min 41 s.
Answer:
11 h 16 min 11 s
